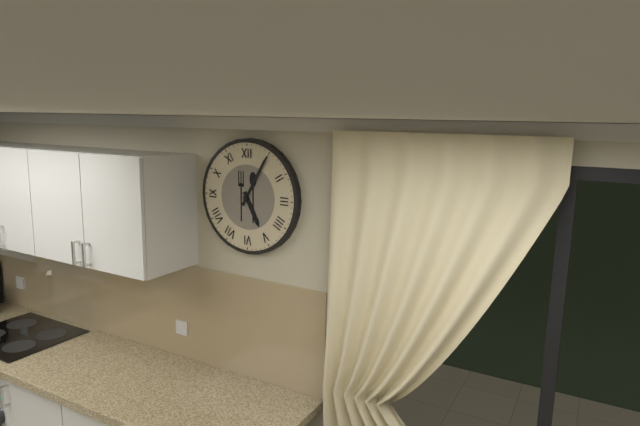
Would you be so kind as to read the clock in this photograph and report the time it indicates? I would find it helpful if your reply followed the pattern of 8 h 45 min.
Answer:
5 h 05 min
